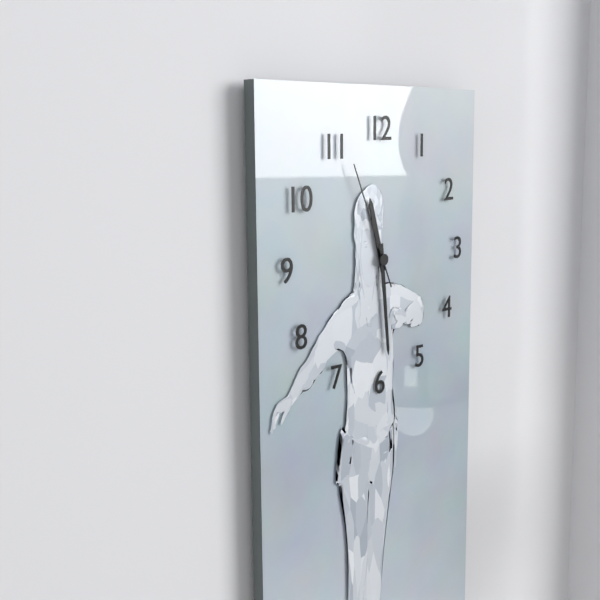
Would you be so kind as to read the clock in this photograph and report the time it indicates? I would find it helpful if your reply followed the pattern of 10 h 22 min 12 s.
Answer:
11 h 29 min 56 s
